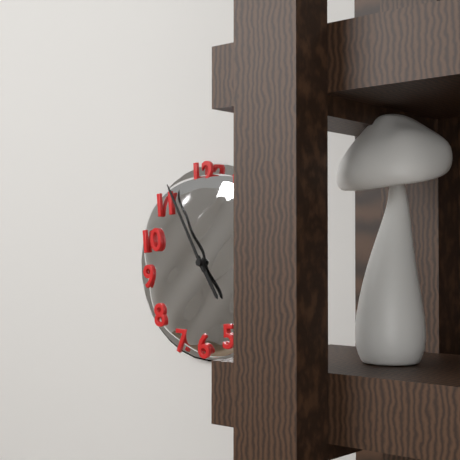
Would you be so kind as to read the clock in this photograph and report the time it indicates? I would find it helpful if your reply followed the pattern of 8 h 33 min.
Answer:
4 h 55 min
